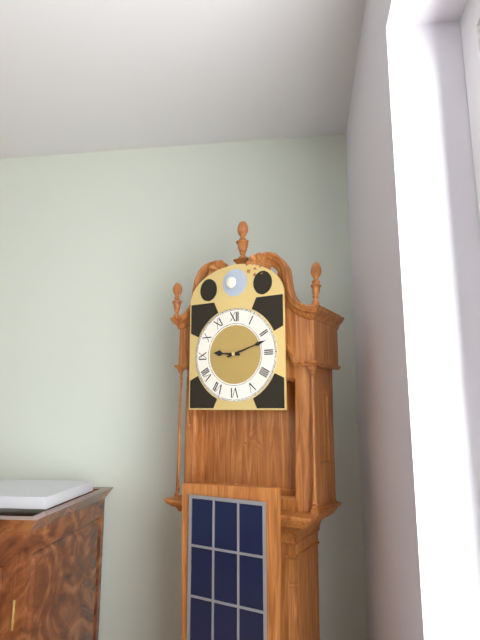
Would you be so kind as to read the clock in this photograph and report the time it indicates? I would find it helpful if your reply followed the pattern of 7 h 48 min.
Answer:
9 h 12 min
